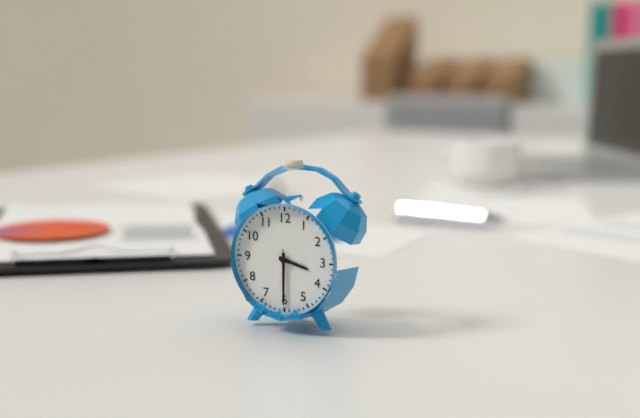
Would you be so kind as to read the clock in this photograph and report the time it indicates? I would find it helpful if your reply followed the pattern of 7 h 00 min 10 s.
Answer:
3 h 30 min 30 s
